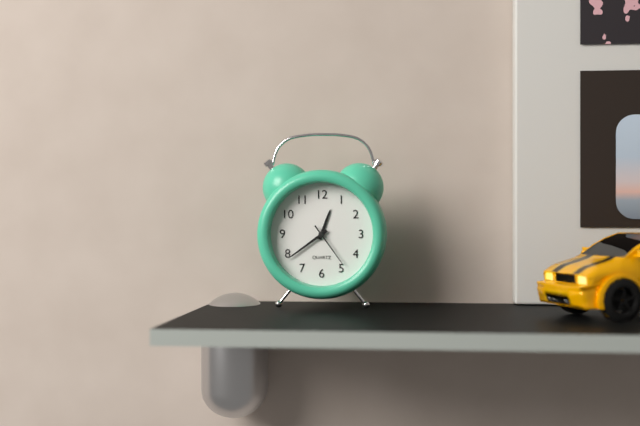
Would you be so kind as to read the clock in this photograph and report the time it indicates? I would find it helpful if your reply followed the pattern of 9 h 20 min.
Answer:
12 h 39 min
